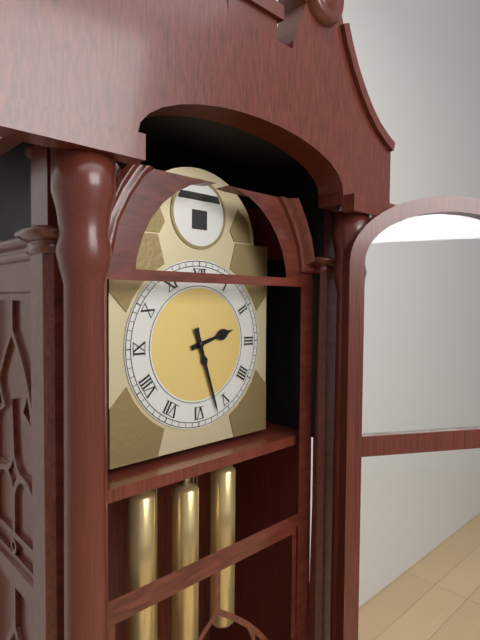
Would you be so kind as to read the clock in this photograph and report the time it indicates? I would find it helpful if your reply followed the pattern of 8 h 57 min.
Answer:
2 h 27 min
